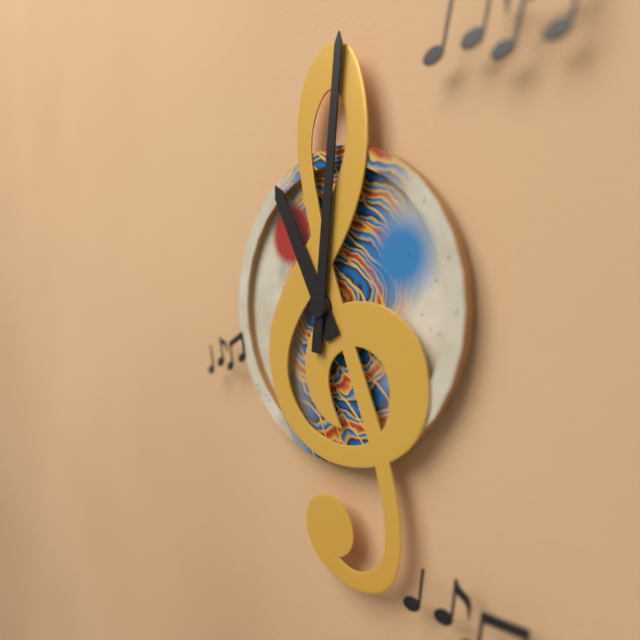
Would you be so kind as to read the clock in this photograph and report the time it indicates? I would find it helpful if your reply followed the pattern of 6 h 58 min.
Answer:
11 h 01 min
